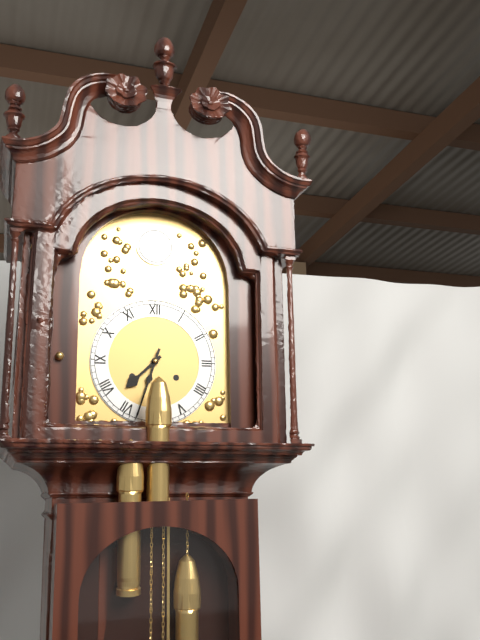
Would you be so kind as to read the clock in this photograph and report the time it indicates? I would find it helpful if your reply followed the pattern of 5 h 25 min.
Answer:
7 h 33 min
